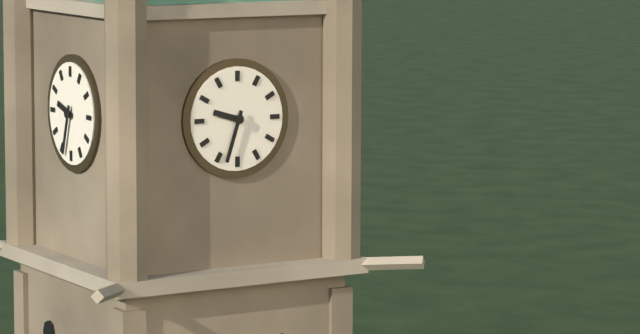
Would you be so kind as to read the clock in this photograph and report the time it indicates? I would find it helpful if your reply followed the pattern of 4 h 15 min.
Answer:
9 h 33 min
